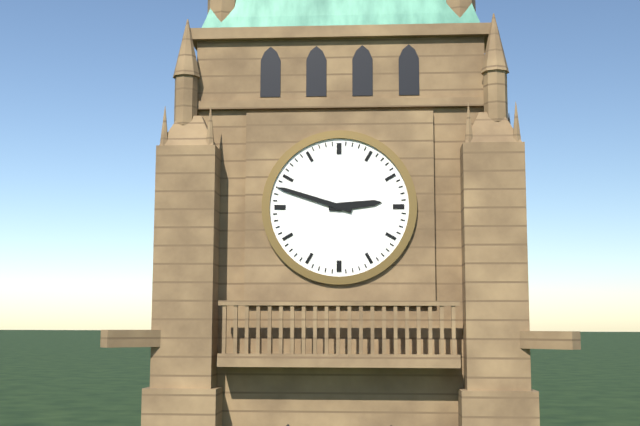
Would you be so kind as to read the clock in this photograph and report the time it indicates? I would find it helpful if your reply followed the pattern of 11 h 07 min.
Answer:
2 h 48 min
